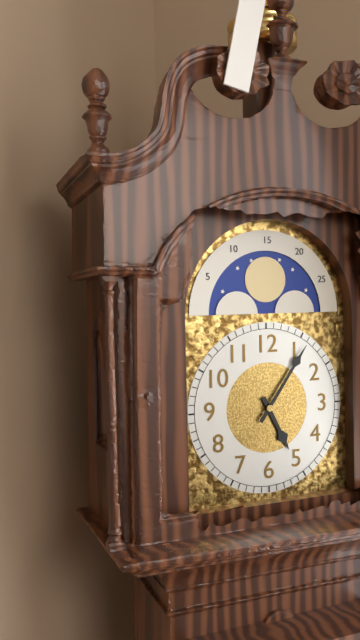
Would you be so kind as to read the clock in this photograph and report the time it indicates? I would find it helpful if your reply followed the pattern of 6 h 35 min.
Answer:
5 h 06 min
